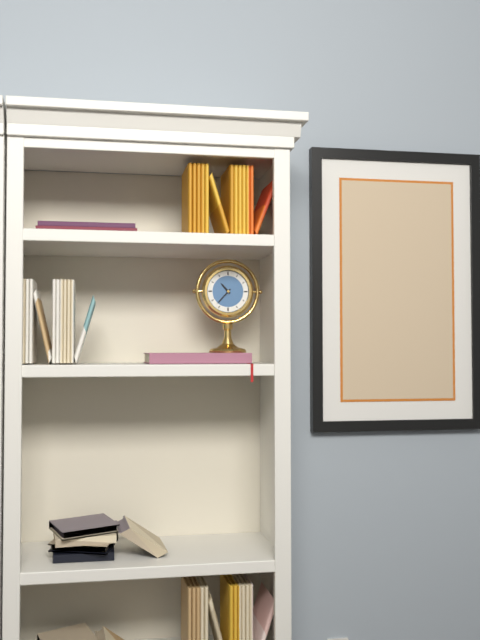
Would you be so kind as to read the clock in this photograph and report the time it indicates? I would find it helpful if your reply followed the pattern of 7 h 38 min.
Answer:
10 h 37 min
